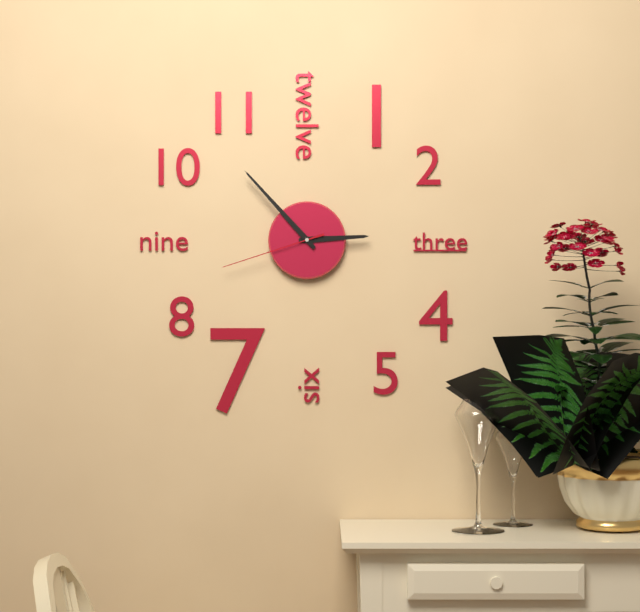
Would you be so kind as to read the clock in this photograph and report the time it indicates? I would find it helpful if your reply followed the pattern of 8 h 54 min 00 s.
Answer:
2 h 53 min 42 s
